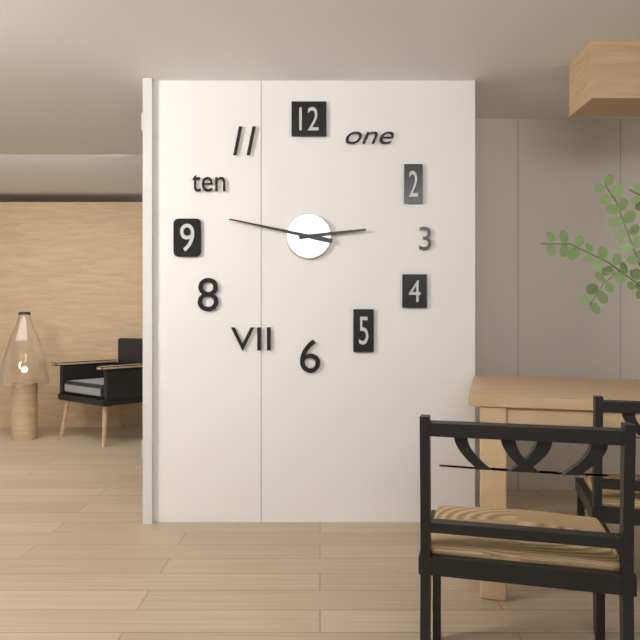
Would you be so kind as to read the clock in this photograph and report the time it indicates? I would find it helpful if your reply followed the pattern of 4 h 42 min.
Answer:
2 h 47 min
